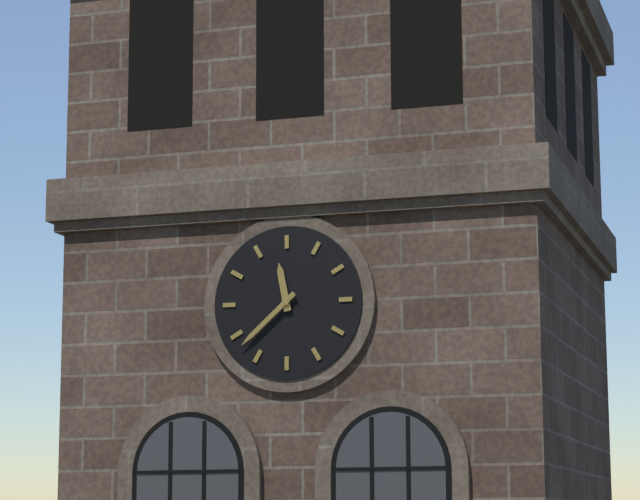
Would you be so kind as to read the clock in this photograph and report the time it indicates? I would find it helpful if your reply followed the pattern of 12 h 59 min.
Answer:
11 h 38 min
